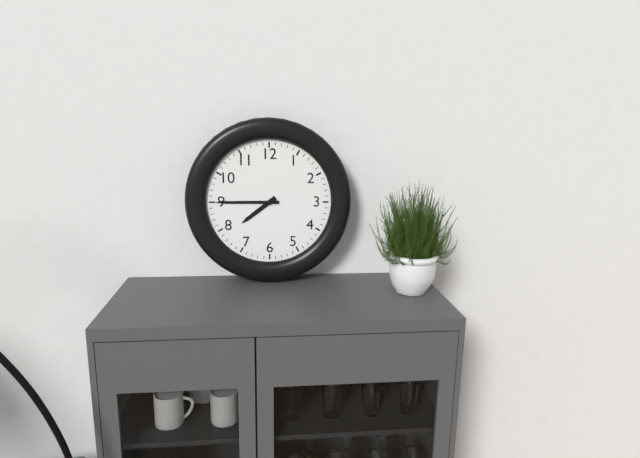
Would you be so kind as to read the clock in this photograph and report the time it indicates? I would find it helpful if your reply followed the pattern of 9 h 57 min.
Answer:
7 h 45 min
